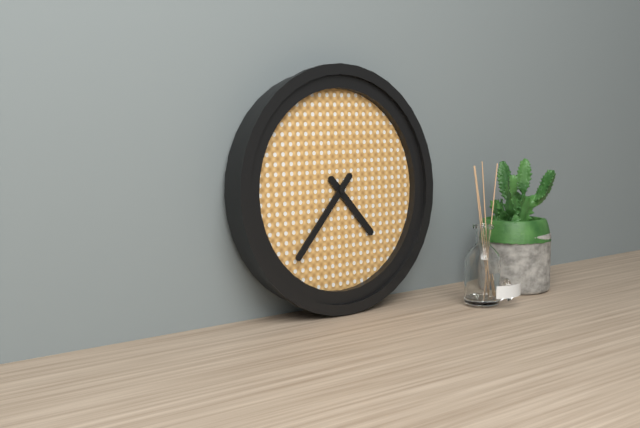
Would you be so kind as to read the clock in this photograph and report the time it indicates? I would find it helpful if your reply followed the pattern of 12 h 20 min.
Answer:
4 h 37 min
